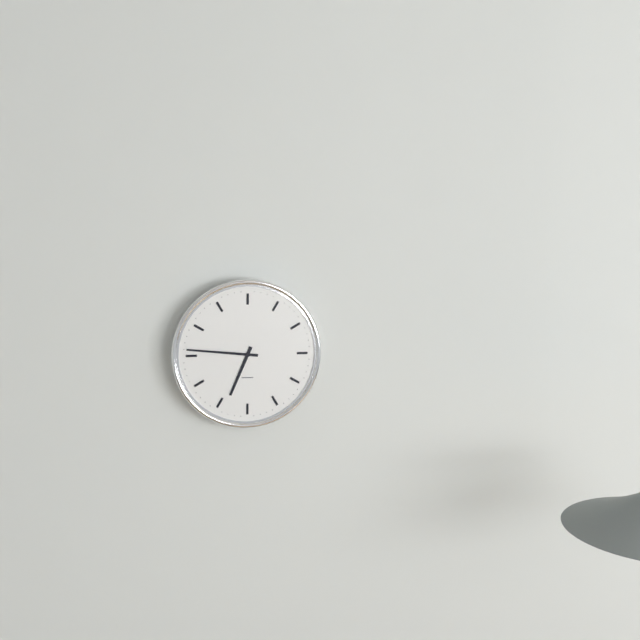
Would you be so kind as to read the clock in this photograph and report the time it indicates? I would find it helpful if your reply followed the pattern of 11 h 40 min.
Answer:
6 h 46 min
